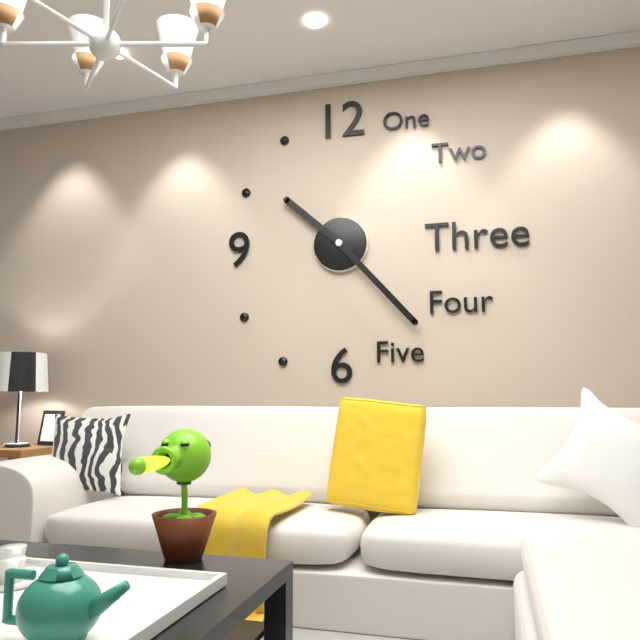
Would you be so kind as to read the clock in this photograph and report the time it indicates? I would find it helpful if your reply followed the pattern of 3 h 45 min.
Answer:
10 h 23 min
